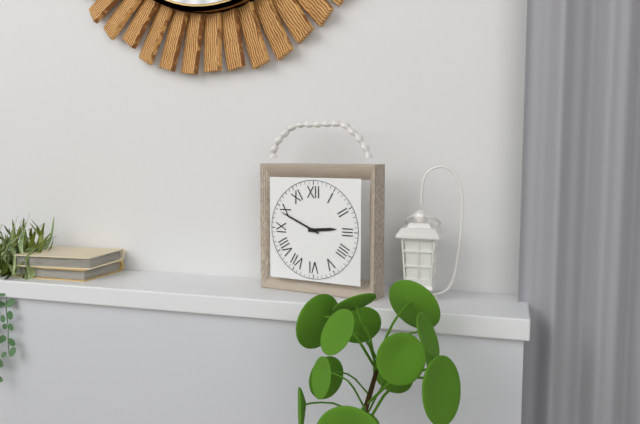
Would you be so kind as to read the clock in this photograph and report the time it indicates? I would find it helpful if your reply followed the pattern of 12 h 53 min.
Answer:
2 h 49 min
